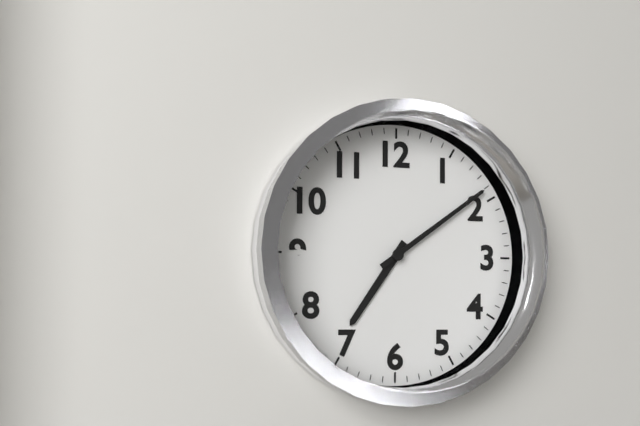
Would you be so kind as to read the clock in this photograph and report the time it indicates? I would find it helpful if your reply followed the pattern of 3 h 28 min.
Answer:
7 h 09 min
